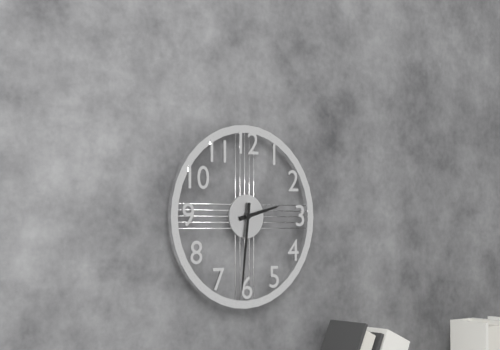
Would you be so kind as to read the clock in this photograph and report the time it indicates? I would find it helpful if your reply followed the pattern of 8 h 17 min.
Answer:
2 h 31 min
